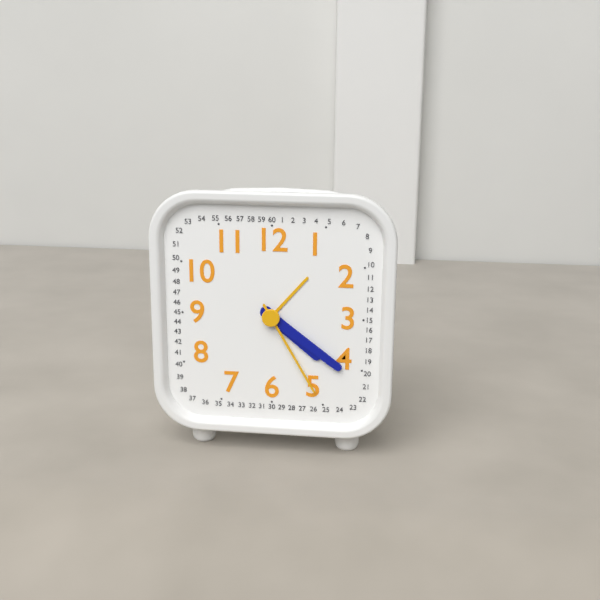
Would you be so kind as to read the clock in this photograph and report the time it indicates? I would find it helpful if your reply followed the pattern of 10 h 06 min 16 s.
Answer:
4 h 21 min 25 s
